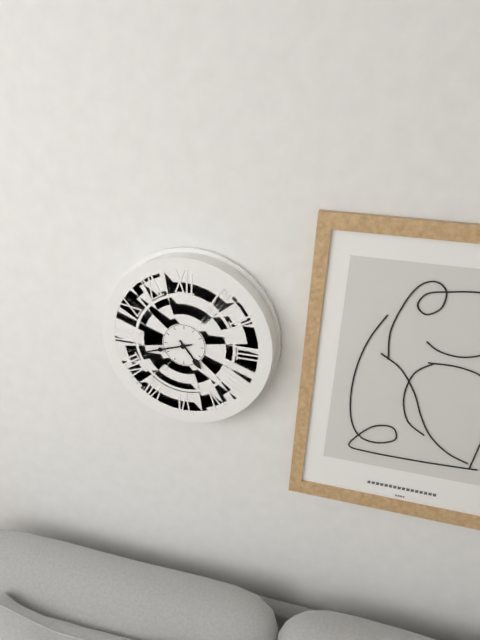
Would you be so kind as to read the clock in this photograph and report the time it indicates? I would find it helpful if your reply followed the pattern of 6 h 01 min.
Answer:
4 h 42 min
